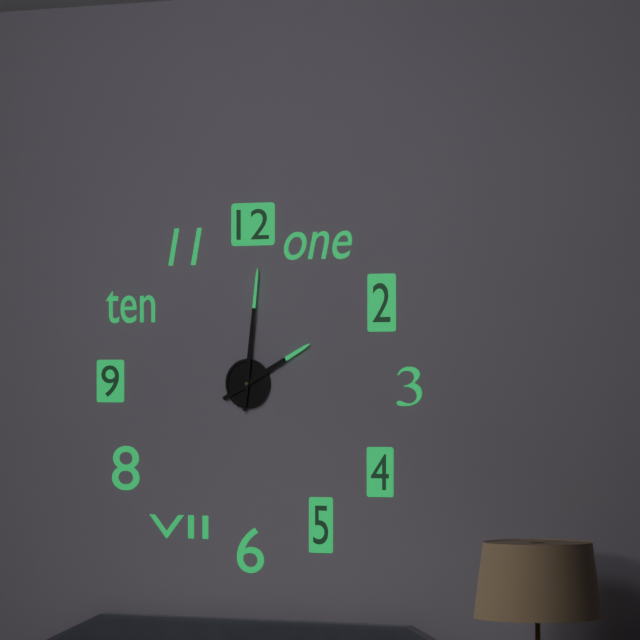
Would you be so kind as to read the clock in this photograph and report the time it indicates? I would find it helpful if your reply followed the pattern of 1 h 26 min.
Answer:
2 h 01 min
